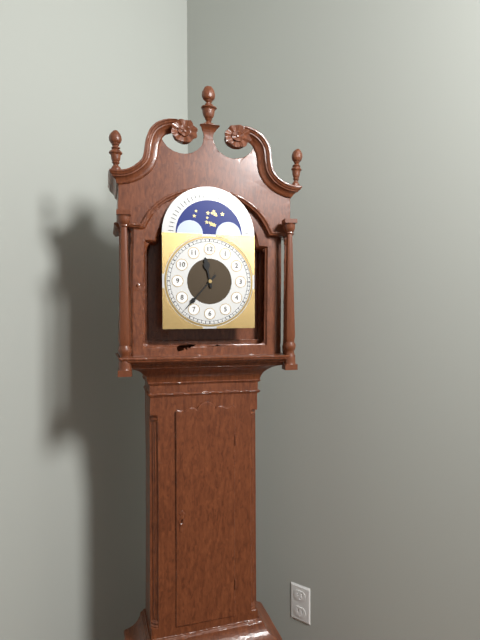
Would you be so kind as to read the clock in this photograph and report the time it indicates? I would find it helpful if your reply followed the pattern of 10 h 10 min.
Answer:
11 h 37 min
